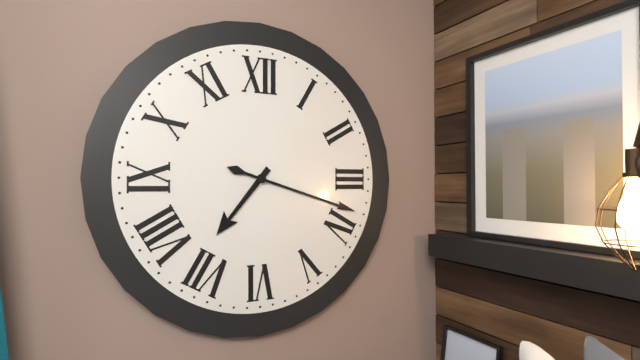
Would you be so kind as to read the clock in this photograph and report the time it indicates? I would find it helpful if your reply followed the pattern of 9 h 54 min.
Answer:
7 h 18 min
